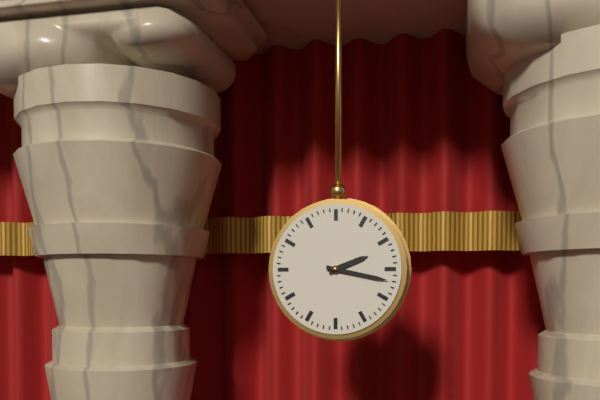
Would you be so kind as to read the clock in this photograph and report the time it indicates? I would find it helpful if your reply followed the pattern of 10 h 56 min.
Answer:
2 h 17 min
